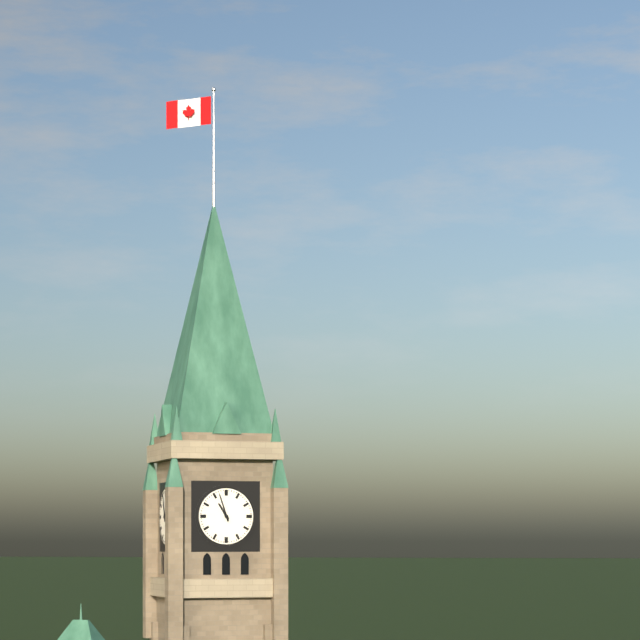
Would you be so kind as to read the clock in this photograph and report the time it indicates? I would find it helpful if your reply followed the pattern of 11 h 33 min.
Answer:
10 h 57 min
